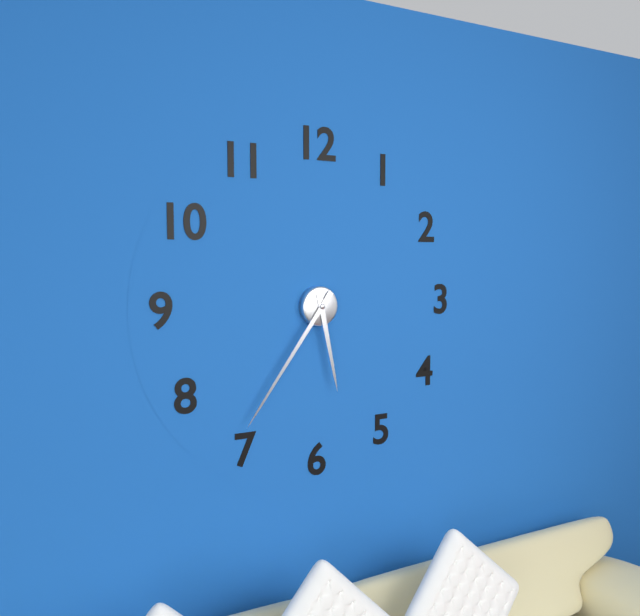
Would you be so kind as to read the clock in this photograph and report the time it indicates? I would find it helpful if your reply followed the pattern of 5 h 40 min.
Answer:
5 h 36 min
